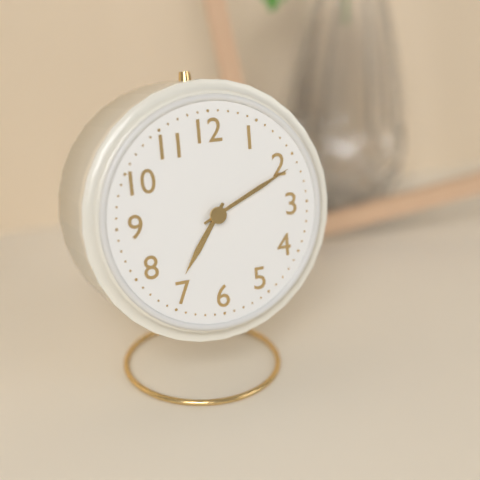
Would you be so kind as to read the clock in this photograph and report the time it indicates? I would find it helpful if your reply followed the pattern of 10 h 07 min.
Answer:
7 h 11 min
